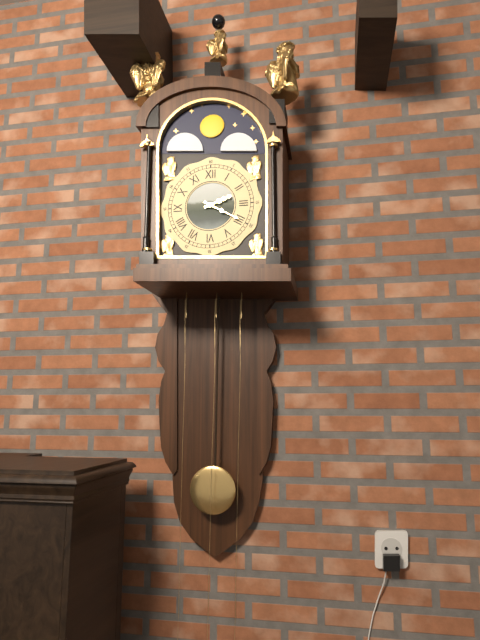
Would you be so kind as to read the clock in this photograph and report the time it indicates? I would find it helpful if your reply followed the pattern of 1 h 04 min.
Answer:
2 h 20 min
